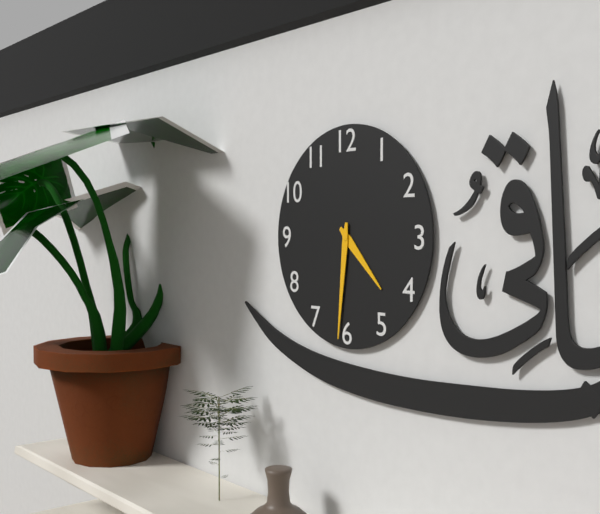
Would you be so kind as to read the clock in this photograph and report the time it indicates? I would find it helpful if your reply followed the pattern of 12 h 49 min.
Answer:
4 h 31 min
